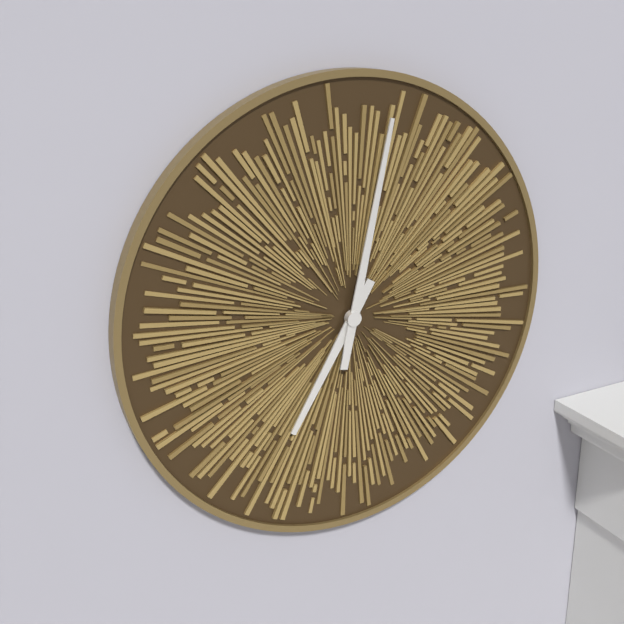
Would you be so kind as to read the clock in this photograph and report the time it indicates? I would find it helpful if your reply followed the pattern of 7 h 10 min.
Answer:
7 h 02 min
